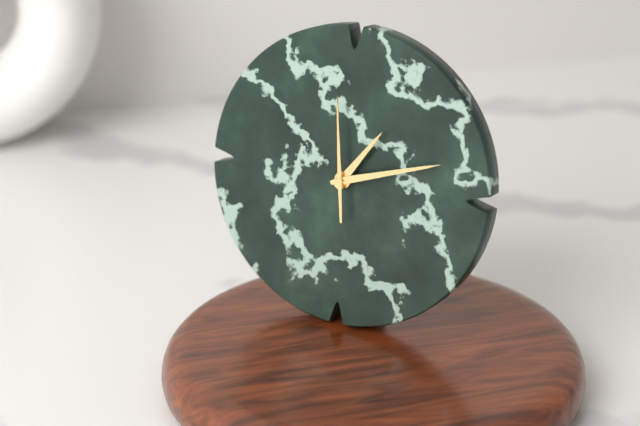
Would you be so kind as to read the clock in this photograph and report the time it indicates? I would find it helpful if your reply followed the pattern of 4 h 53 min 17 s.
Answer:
1 h 12 min 59 s
